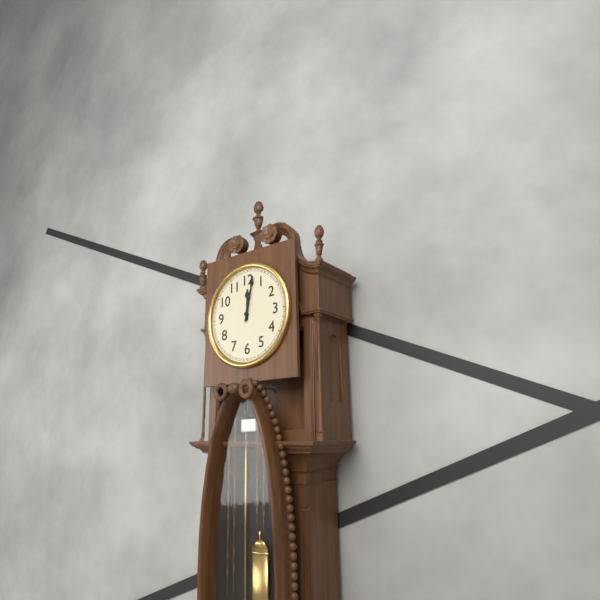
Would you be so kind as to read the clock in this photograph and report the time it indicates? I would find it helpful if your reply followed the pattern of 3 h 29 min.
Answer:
12 h 02 min
